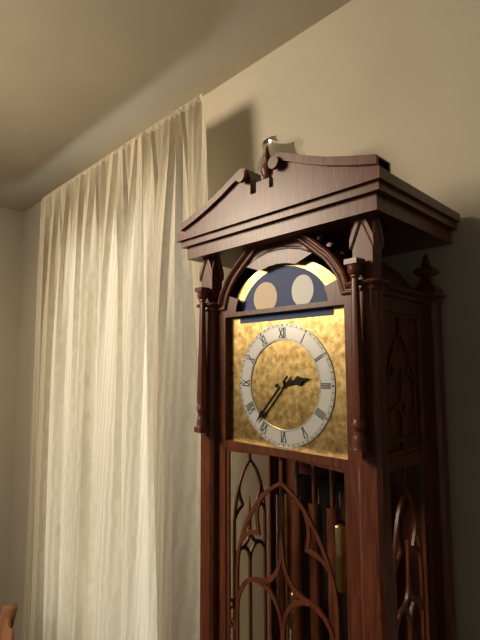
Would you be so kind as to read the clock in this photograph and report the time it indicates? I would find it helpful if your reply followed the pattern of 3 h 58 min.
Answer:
2 h 37 min
